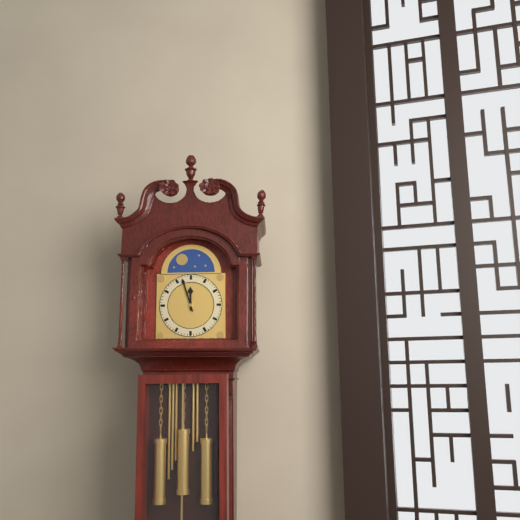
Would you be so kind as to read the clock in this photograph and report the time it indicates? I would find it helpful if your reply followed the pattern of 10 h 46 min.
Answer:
11 h 57 min
